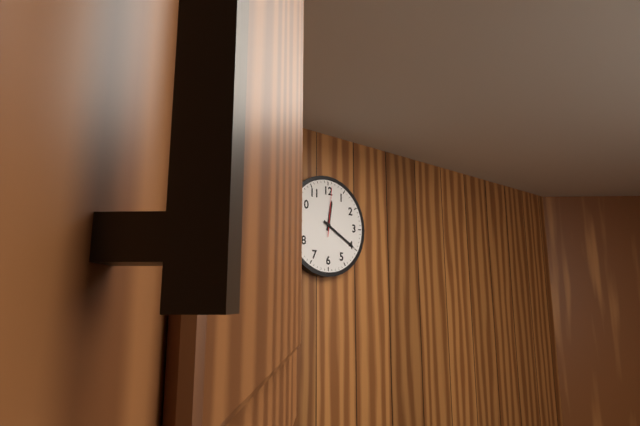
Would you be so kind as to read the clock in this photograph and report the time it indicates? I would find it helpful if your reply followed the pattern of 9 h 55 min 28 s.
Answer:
12 h 20 min 01 s
